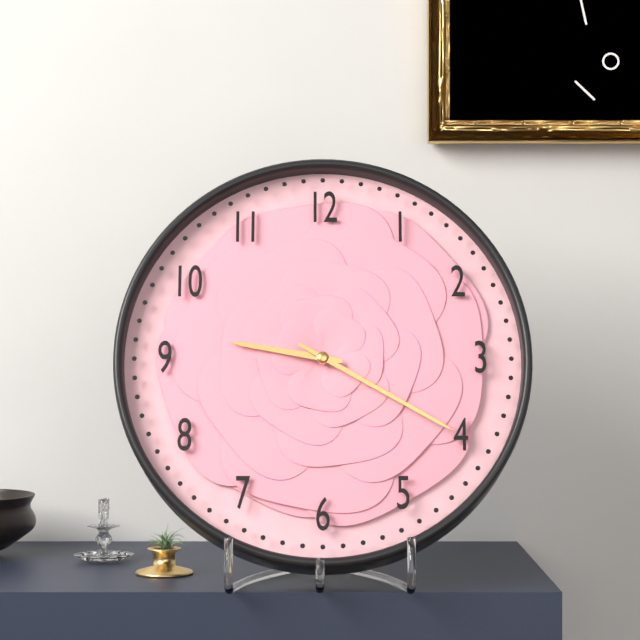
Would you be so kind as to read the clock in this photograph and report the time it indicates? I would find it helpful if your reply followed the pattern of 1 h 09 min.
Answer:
9 h 20 min
